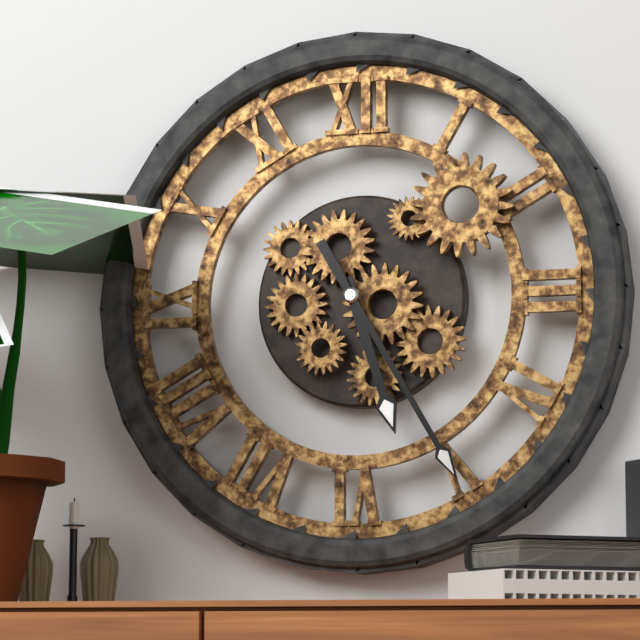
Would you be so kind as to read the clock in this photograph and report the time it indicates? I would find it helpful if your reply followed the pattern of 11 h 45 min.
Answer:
5 h 25 min
